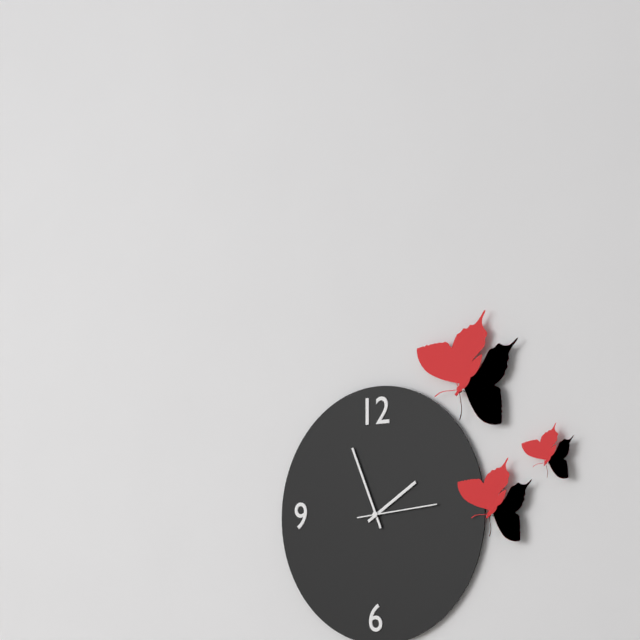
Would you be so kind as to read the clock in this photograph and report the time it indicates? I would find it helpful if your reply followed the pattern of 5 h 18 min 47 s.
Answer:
1 h 56 min 14 s
